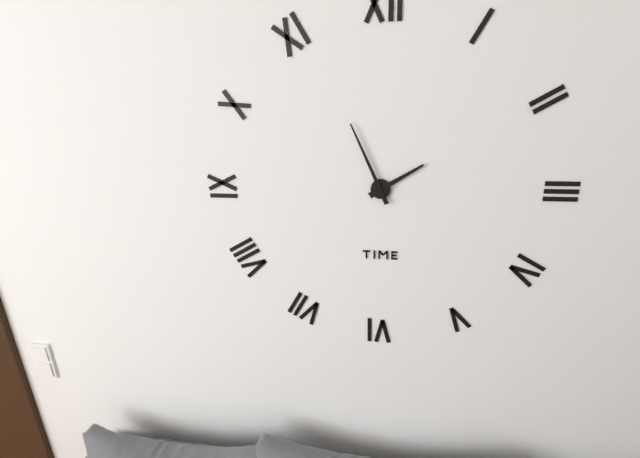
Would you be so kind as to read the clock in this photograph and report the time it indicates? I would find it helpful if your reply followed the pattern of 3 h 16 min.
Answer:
1 h 56 min
